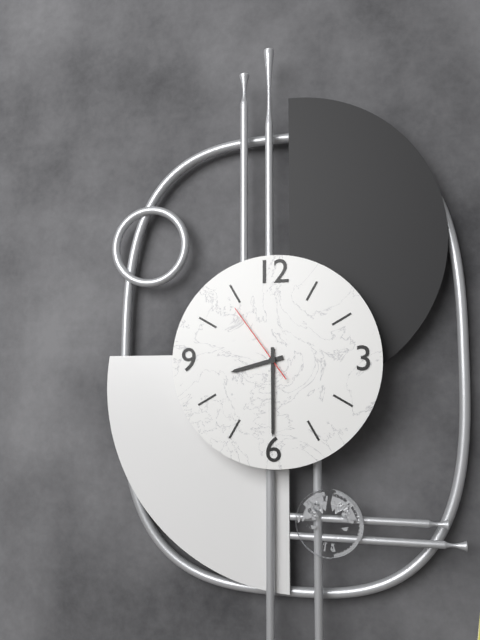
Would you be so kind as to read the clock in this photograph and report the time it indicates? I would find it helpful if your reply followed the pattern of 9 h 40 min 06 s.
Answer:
8 h 30 min 54 s
